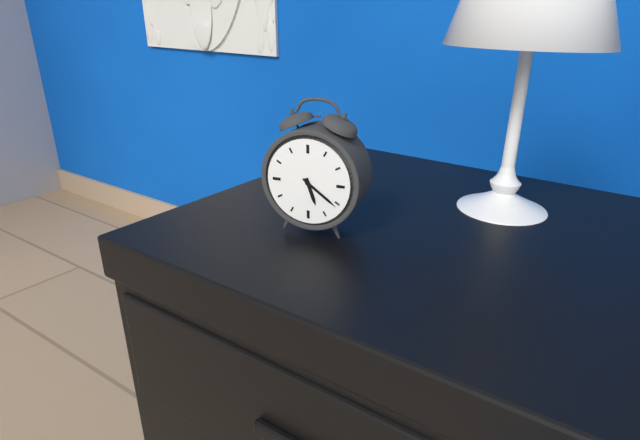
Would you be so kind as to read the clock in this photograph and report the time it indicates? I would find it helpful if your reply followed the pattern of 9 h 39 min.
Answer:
5 h 21 min
